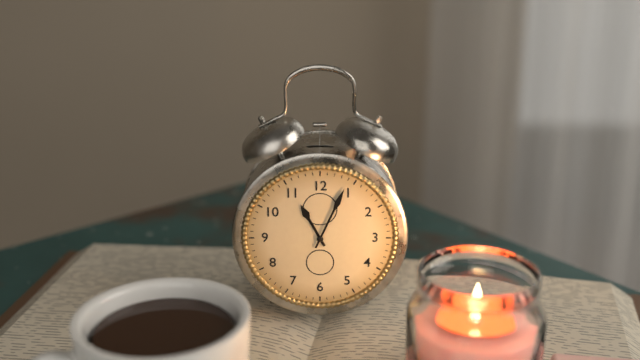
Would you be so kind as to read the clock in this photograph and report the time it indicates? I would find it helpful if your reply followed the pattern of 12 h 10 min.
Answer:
11 h 04 min
